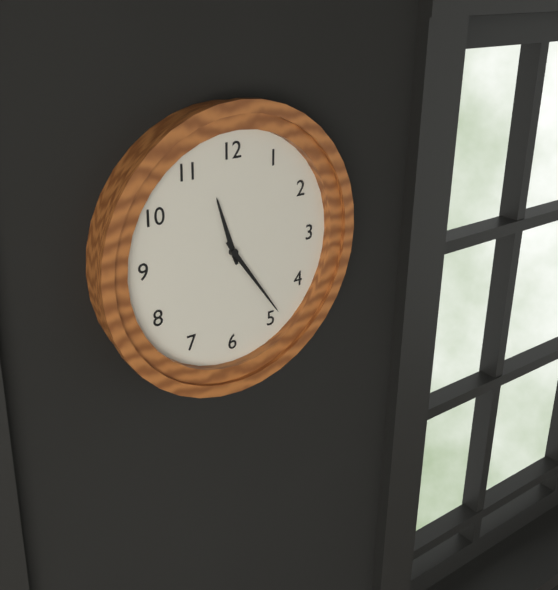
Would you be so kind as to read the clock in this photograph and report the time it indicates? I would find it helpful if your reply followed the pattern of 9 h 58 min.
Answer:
11 h 24 min
